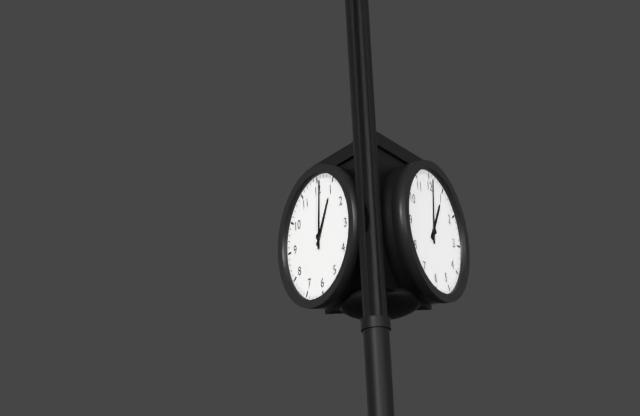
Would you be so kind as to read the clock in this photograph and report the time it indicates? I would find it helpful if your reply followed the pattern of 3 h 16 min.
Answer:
1 h 01 min
